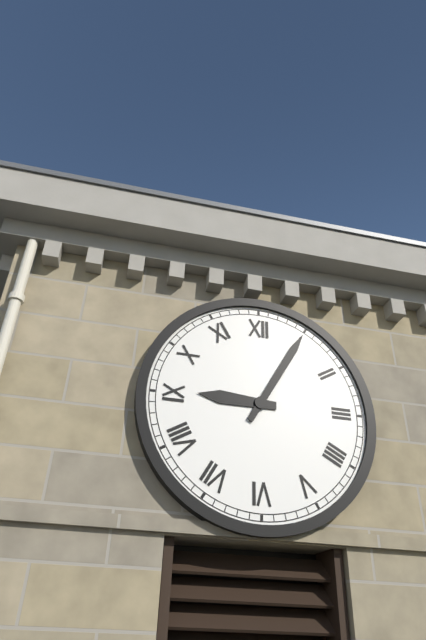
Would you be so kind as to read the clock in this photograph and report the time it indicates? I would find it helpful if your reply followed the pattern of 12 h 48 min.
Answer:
9 h 05 min
